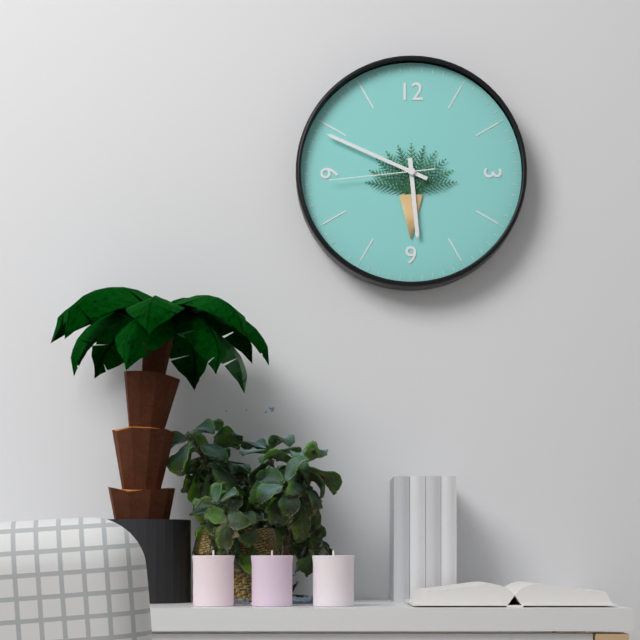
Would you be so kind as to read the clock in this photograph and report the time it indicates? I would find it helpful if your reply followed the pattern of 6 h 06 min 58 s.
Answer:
5 h 49 min 44 s
